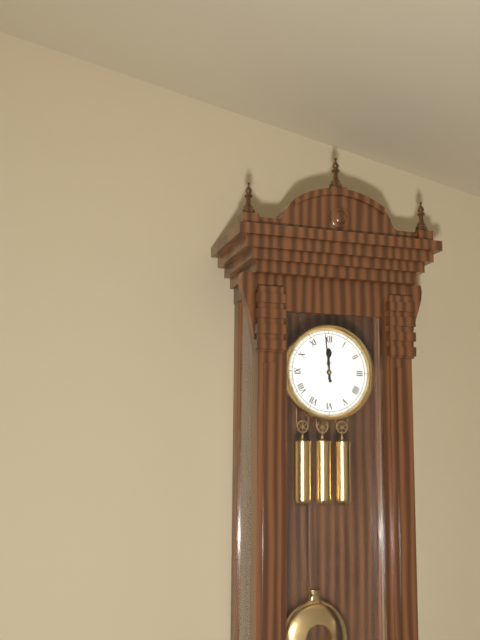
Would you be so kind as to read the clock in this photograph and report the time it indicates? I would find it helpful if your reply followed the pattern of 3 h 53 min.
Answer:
11 h 59 min
